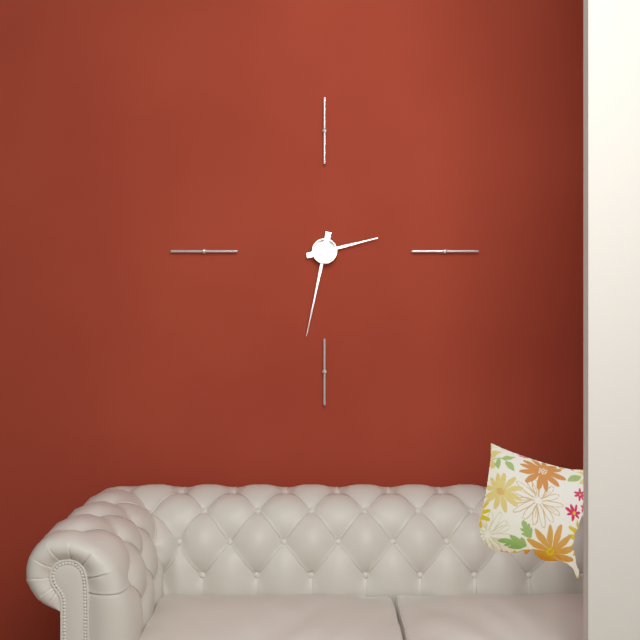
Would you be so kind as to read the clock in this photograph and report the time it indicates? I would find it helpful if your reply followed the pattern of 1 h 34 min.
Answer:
2 h 32 min
